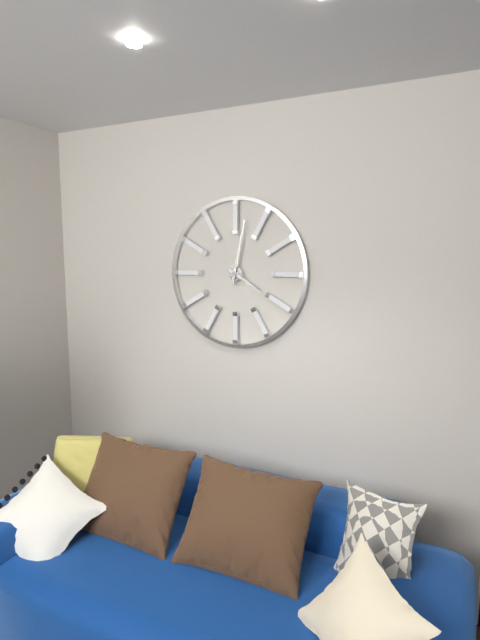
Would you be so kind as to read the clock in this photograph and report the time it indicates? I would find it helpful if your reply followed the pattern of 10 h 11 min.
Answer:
4 h 02 min
